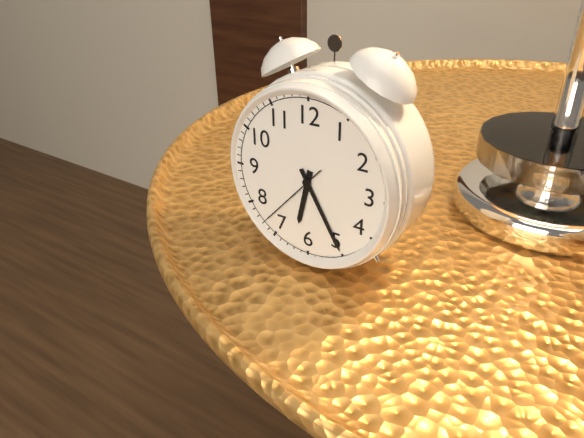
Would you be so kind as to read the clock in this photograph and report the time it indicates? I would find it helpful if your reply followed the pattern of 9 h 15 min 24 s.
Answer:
6 h 25 min 37 s
